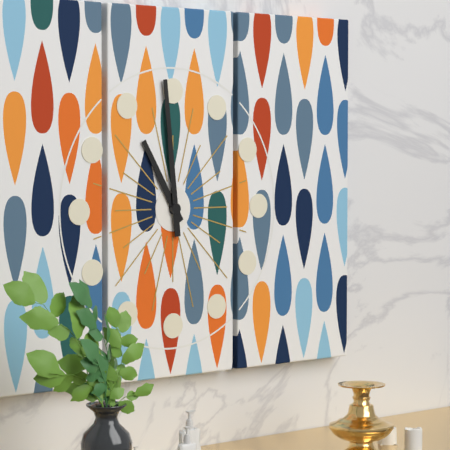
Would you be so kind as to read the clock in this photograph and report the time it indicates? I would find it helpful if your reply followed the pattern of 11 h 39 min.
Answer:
10 h 59 min
